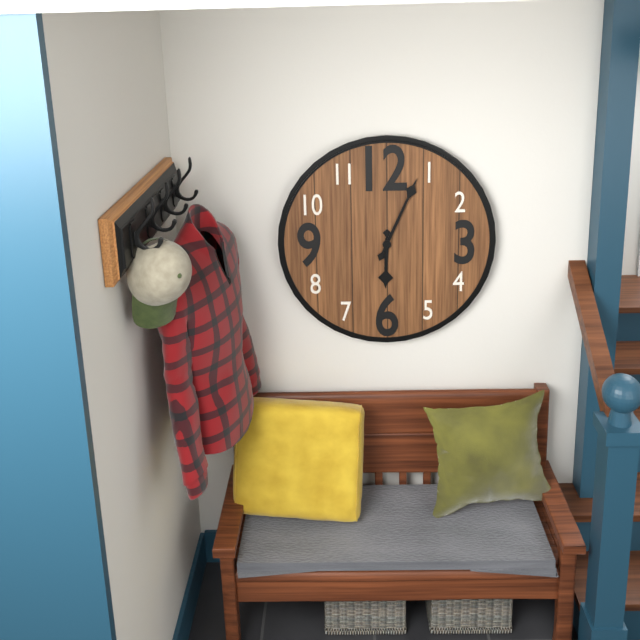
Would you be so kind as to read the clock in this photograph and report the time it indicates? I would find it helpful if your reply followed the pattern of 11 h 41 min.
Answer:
6 h 04 min
